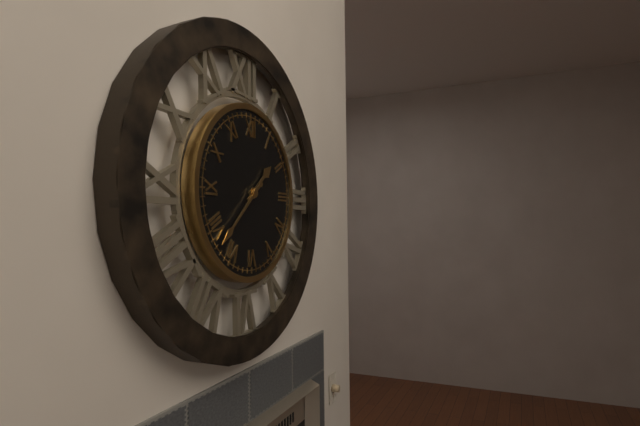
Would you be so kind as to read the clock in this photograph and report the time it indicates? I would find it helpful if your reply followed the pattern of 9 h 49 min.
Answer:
1 h 38 min
